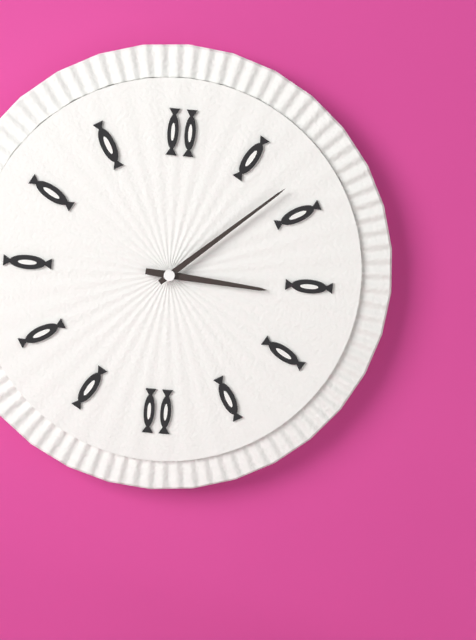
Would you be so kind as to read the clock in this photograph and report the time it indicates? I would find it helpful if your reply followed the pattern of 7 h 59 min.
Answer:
3 h 08 min
